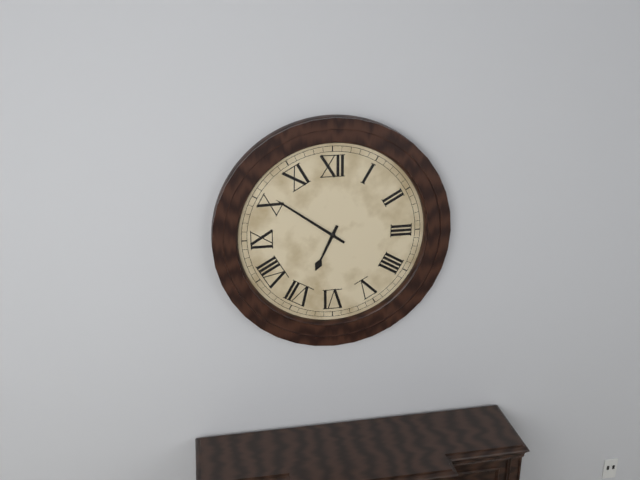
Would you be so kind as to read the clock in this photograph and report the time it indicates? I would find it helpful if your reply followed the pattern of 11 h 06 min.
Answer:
6 h 51 min
